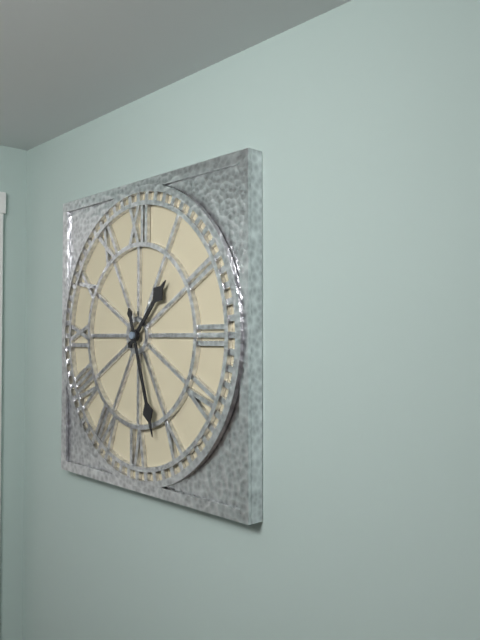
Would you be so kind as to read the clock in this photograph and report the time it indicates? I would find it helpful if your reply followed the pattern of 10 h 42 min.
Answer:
1 h 27 min
